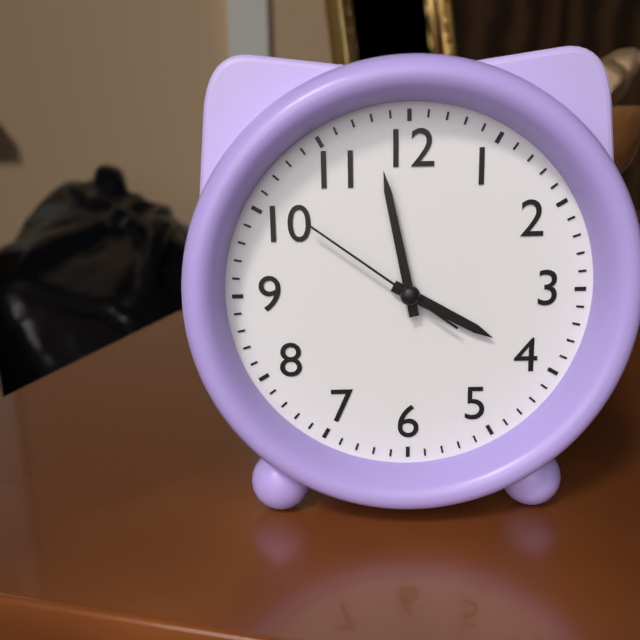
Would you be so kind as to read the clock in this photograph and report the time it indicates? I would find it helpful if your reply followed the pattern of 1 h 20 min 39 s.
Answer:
3 h 58 min 51 s
